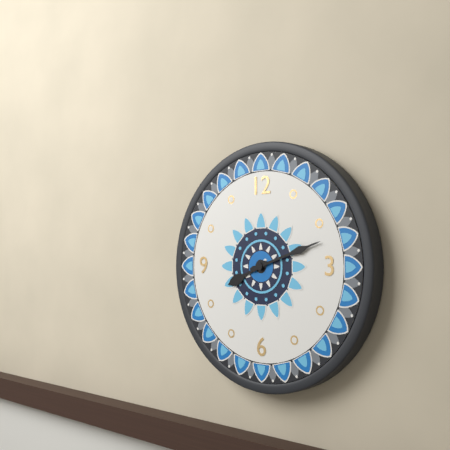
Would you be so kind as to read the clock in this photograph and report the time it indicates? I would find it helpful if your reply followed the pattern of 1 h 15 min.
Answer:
8 h 12 min
